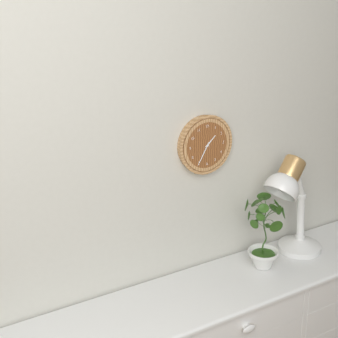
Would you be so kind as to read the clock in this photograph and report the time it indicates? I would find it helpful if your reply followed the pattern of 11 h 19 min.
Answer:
1 h 35 min
